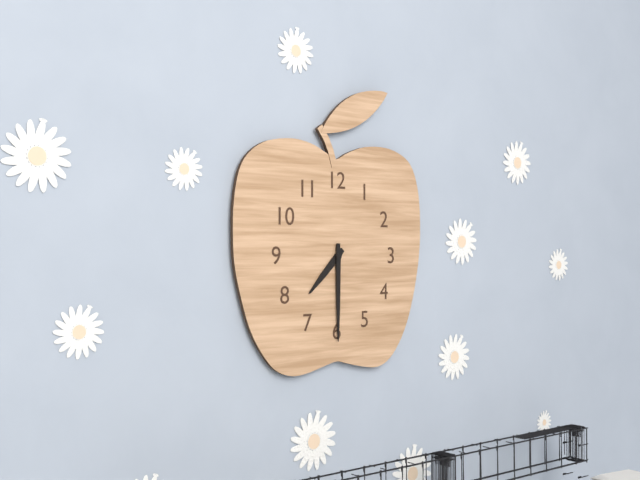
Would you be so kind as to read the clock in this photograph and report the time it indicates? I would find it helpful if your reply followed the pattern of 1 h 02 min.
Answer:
7 h 30 min
